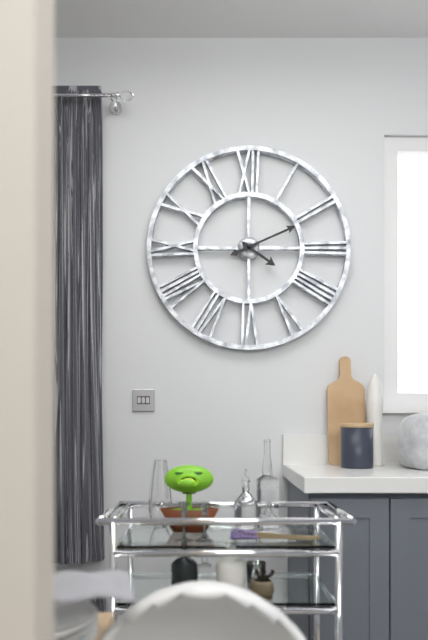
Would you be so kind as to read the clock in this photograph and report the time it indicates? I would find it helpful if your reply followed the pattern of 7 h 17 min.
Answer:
4 h 11 min
